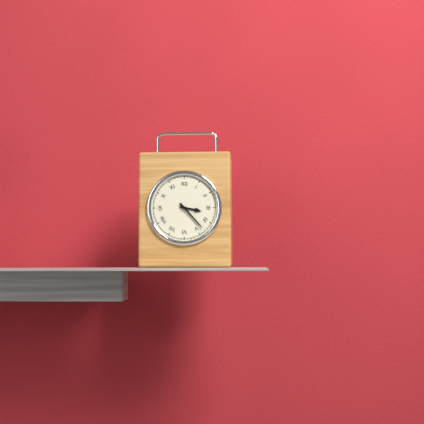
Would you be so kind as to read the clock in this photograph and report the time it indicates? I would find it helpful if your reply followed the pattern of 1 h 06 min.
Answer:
3 h 23 min
